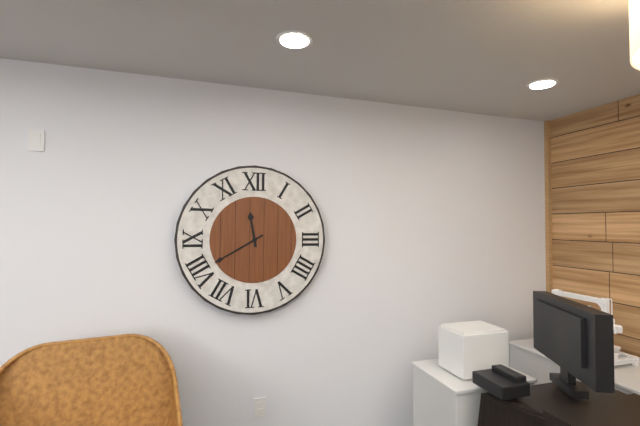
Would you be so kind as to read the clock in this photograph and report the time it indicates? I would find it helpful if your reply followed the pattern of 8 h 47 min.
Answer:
11 h 40 min
